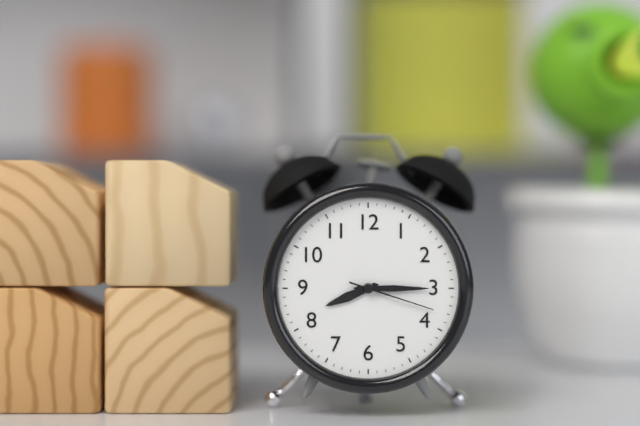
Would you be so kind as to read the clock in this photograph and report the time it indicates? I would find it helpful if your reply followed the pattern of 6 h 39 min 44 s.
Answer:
8 h 15 min 18 s
